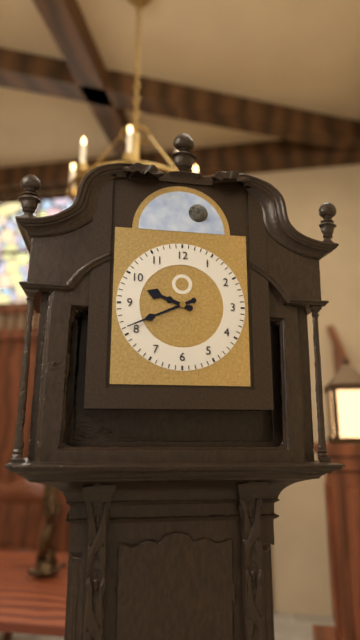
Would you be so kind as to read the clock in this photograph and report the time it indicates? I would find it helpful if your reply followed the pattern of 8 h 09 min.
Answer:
9 h 41 min
